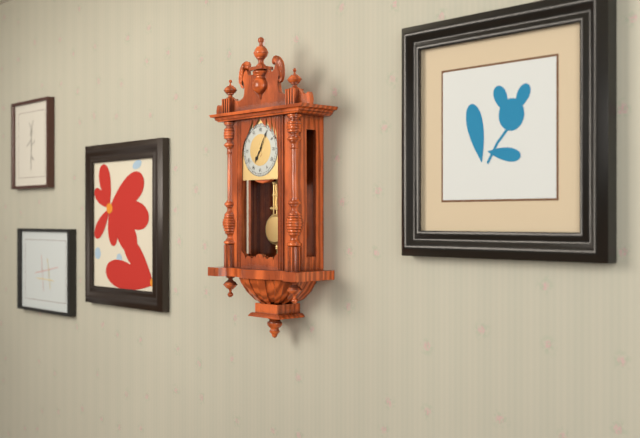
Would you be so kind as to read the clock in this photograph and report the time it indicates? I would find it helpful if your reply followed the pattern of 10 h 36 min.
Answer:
7 h 05 min
